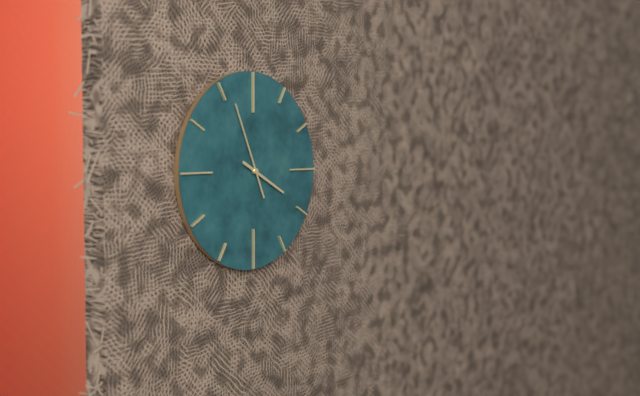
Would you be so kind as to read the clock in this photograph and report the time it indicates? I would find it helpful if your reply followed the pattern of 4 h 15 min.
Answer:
3 h 56 min
